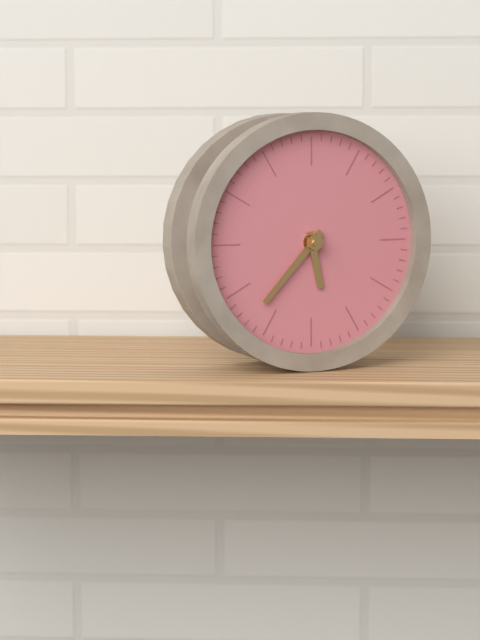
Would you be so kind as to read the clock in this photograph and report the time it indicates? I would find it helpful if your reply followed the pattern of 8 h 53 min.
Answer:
5 h 37 min
